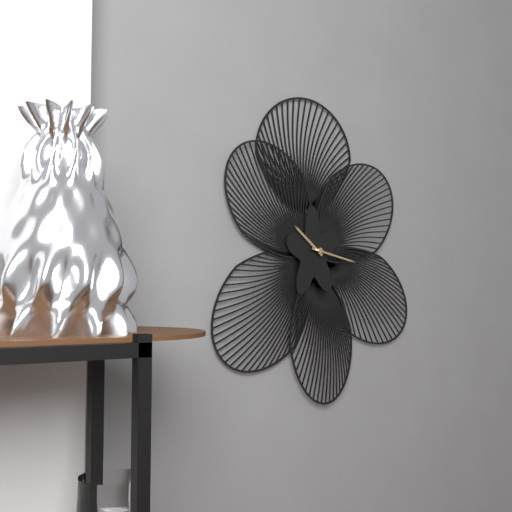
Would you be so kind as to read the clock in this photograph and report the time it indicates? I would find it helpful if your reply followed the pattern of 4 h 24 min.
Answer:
10 h 17 min
